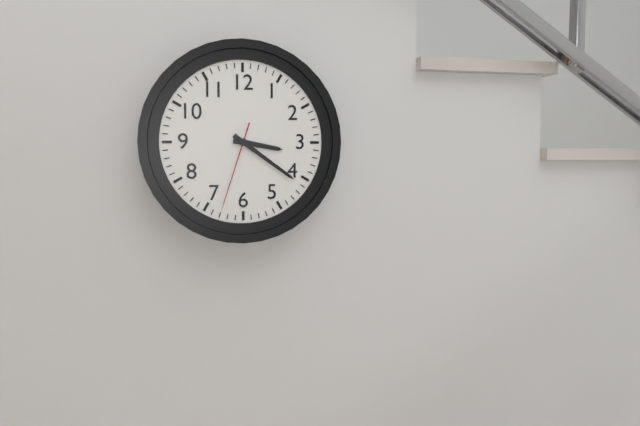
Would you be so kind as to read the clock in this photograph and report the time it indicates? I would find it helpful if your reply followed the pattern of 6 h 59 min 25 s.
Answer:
3 h 21 min 33 s
